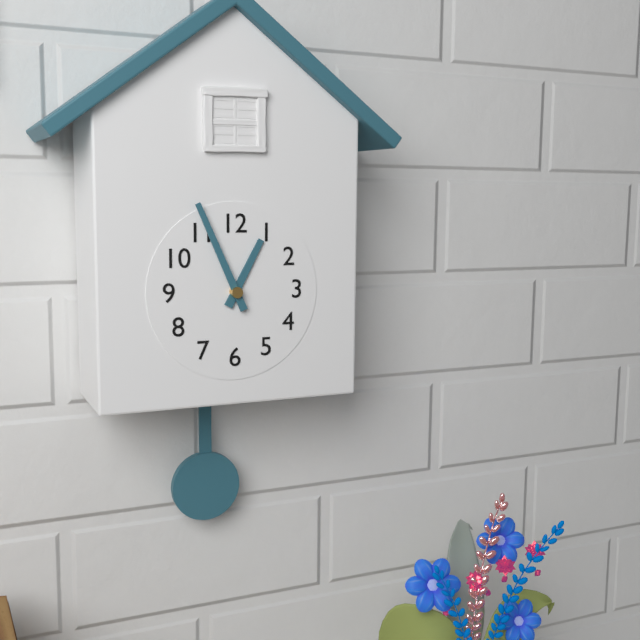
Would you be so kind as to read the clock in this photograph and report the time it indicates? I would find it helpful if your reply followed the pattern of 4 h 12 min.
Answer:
12 h 56 min
